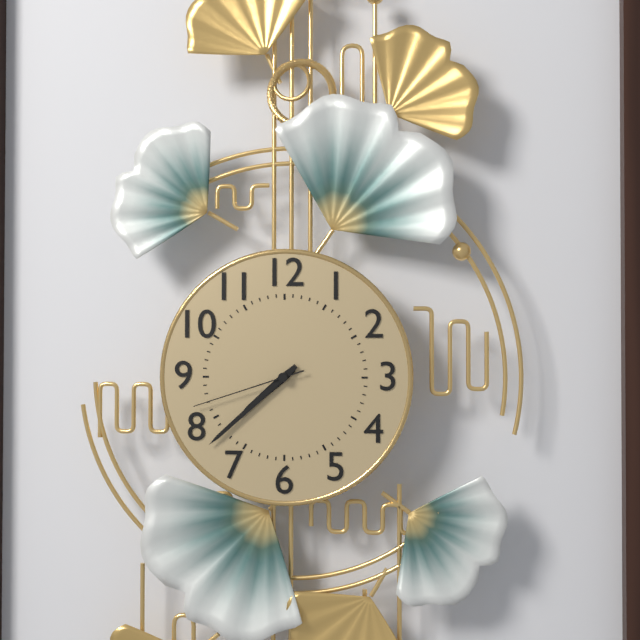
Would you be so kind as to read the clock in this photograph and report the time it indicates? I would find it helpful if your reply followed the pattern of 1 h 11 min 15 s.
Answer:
7 h 38 min 42 s
